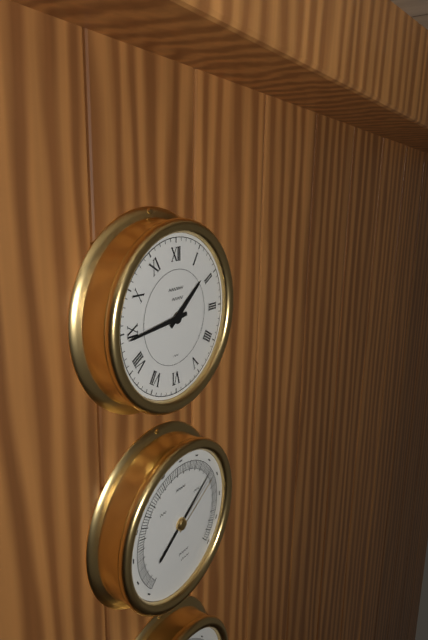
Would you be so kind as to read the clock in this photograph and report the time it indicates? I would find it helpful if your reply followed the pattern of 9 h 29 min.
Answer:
1 h 44 min
